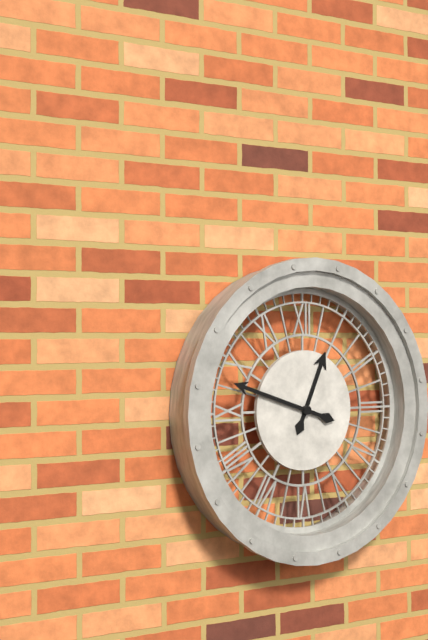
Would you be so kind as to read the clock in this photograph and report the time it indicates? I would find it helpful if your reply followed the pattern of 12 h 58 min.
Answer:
12 h 48 min
